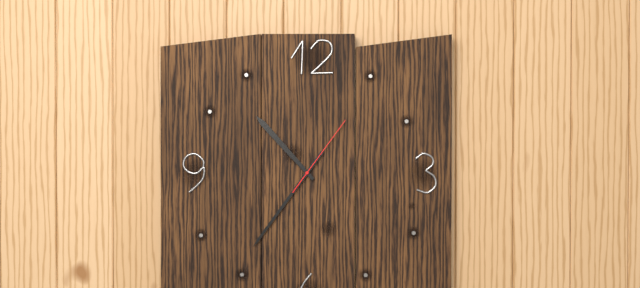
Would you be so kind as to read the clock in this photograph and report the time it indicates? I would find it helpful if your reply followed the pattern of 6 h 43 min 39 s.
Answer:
10 h 36 min 06 s
